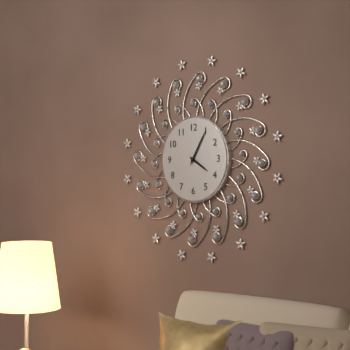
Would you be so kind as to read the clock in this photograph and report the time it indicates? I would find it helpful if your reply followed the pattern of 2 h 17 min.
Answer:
4 h 05 min
